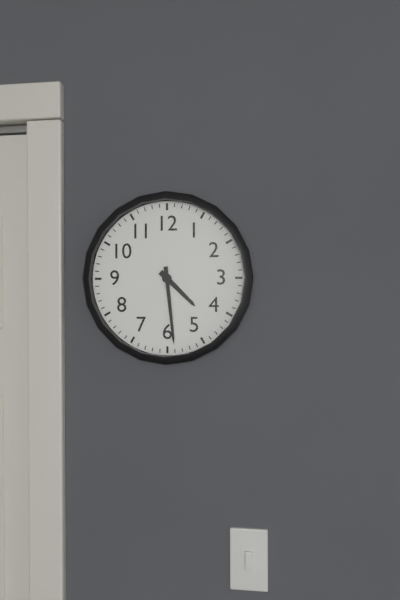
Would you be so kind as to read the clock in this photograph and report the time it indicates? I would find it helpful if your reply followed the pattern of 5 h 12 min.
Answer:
4 h 29 min
